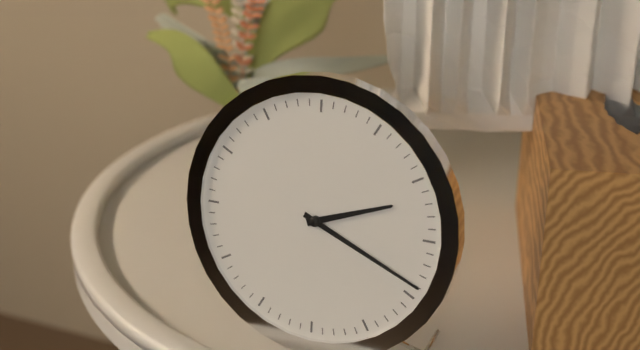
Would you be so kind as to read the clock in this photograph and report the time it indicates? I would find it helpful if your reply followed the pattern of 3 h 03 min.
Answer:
2 h 19 min
